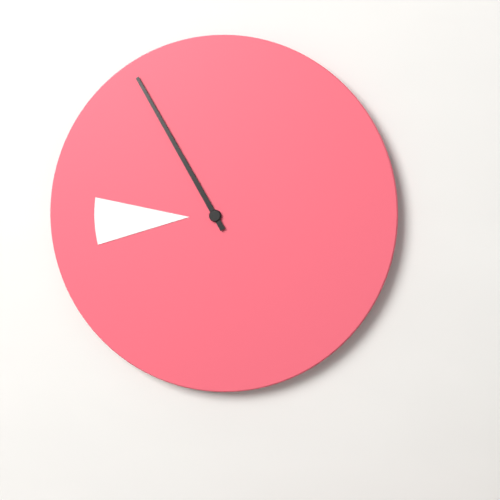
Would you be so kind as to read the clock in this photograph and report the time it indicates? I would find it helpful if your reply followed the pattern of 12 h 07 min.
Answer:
8 h 55 min
